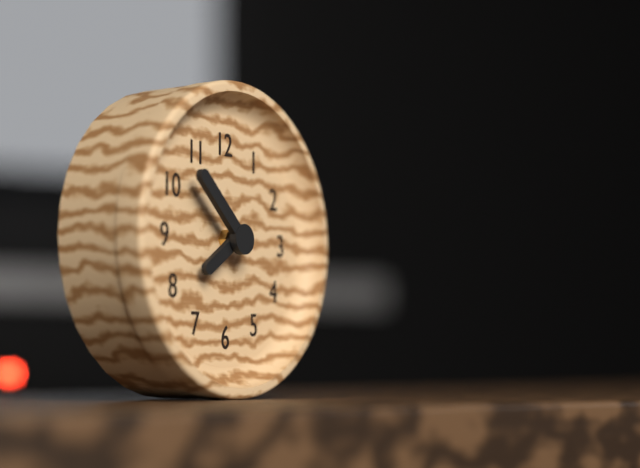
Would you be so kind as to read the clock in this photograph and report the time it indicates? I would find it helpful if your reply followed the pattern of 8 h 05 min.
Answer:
7 h 52 min
